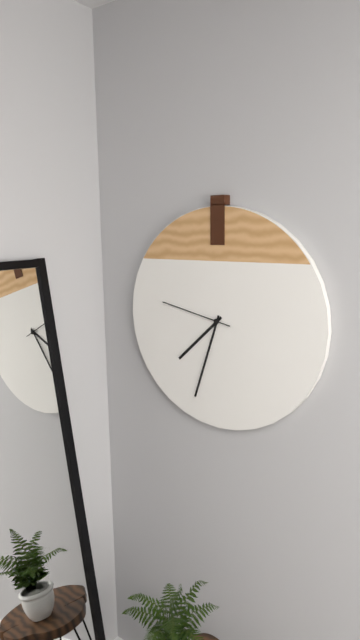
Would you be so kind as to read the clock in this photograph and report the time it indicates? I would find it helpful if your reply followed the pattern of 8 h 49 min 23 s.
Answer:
7 h 33 min 47 s
